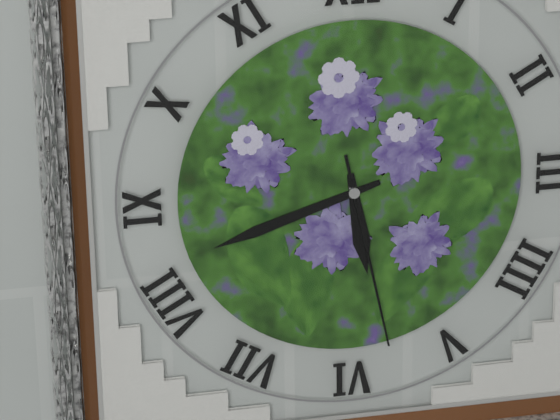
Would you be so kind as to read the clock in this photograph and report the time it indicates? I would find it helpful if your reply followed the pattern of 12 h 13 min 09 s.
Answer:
5 h 42 min 28 s
